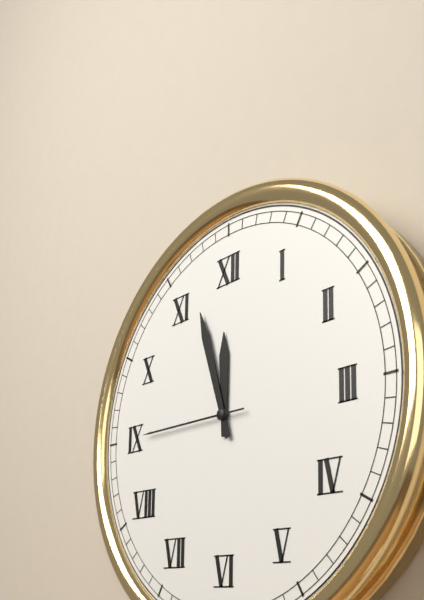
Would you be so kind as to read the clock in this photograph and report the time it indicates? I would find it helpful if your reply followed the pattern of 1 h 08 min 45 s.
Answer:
11 h 57 min 45 s
